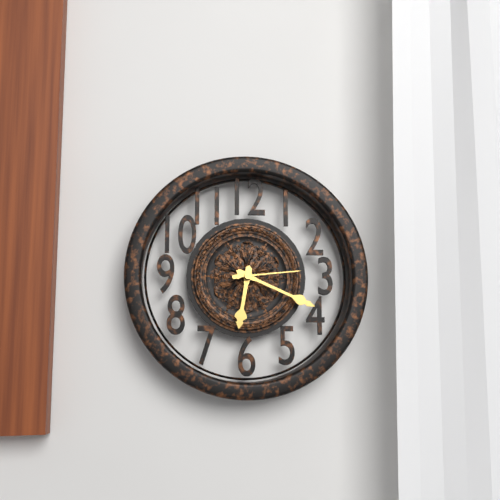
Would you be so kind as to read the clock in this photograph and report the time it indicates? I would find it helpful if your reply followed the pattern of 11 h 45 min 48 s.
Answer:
6 h 19 min 14 s
